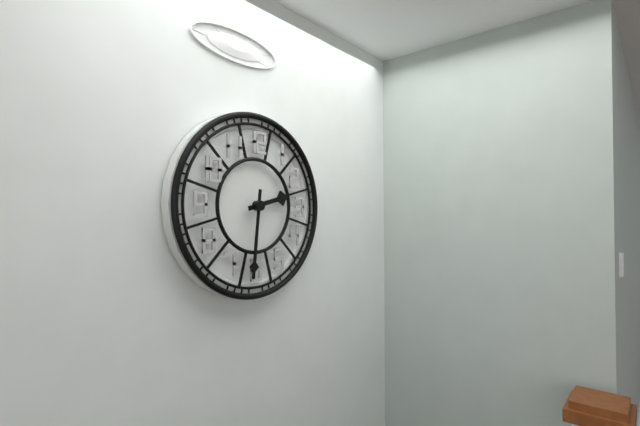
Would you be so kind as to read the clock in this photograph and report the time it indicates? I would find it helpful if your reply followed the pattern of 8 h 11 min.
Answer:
2 h 31 min
